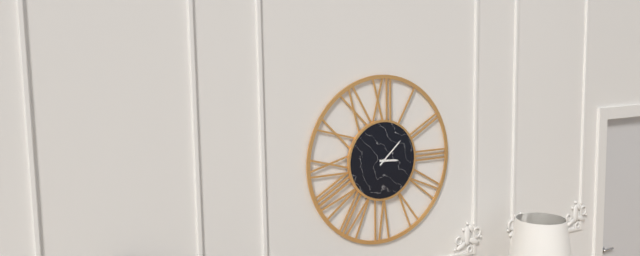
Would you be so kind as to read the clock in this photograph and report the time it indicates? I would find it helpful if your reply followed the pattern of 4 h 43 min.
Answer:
3 h 08 min
